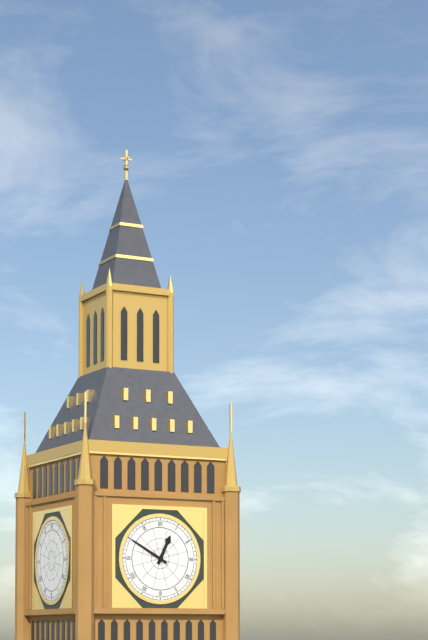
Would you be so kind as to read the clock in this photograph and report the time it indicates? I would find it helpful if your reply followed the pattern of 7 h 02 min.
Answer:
12 h 50 min
